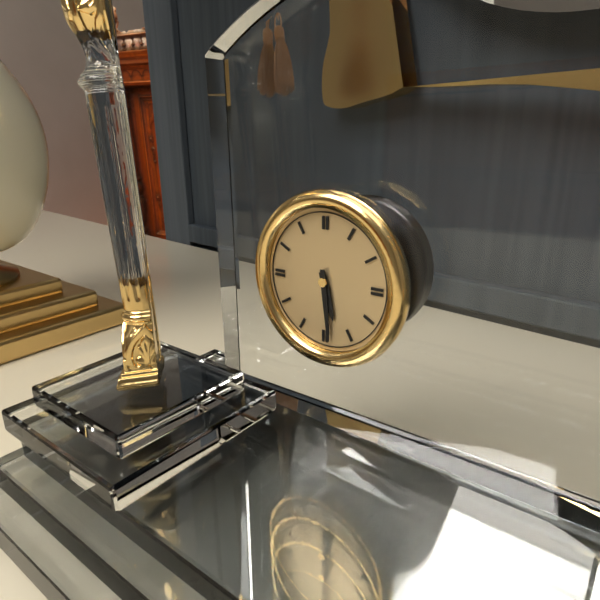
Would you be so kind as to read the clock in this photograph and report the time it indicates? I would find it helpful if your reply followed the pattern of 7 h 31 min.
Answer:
5 h 29 min
